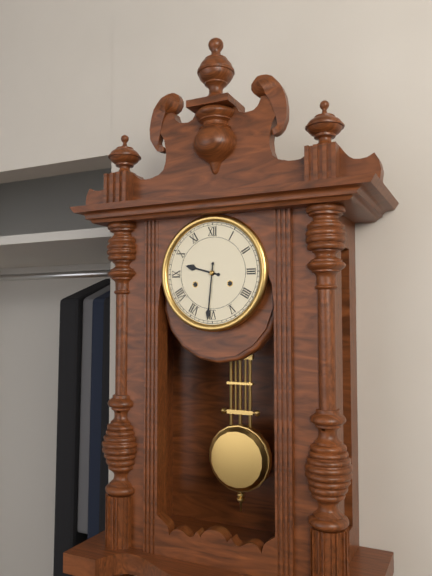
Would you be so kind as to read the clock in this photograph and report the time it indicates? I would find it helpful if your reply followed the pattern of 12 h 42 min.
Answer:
9 h 31 min
